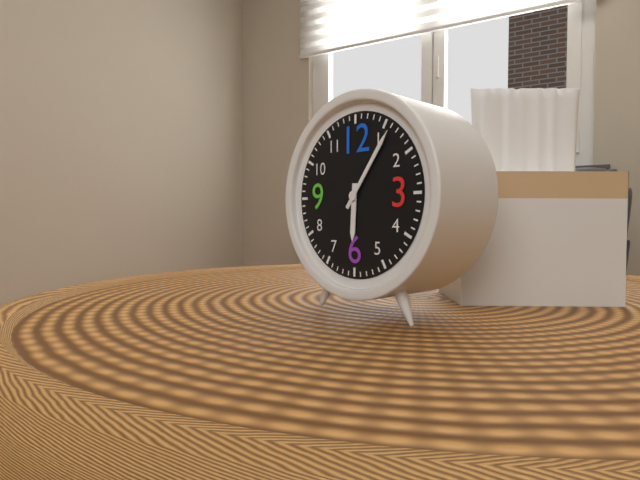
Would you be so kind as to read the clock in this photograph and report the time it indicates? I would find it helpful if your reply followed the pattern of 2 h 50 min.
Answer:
6 h 06 min
